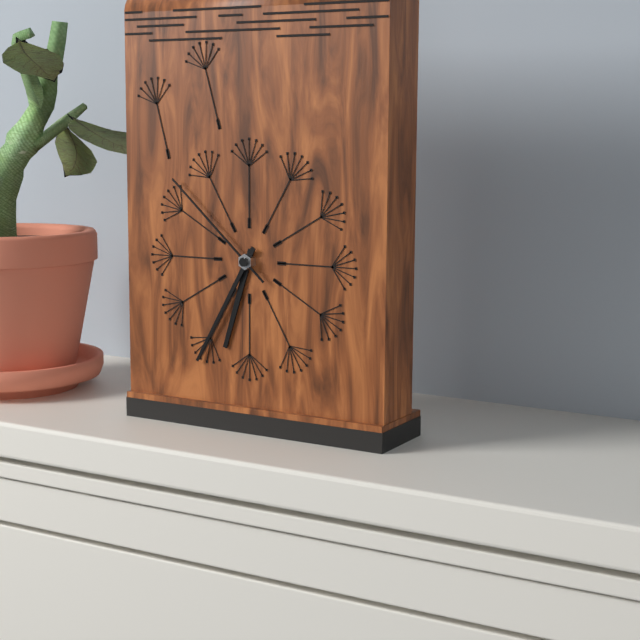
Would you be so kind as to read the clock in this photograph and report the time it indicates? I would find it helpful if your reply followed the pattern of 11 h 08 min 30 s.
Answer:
6 h 35 min 52 s
